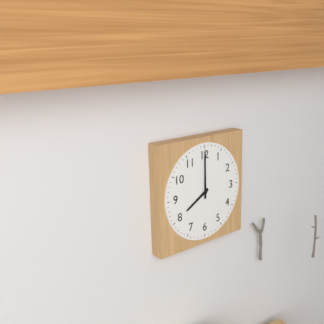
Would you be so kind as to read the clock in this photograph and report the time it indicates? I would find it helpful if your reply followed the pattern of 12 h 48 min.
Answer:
8 h 00 min
